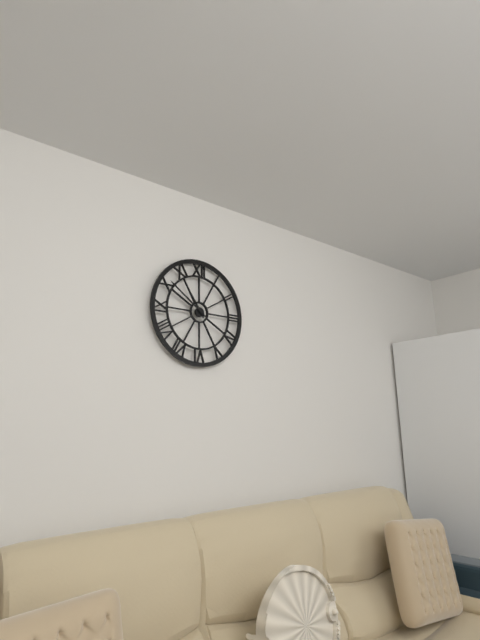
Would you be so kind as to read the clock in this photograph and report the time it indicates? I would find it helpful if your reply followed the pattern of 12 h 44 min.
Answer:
10 h 51 min
